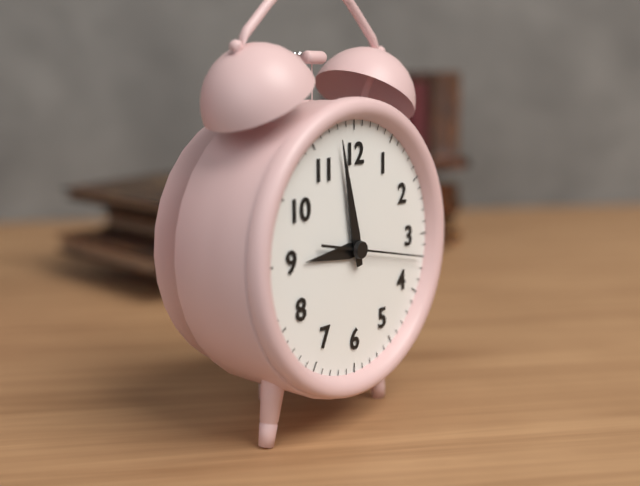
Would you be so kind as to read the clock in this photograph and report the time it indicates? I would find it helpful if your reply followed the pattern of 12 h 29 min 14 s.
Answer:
8 h 58 min 17 s
